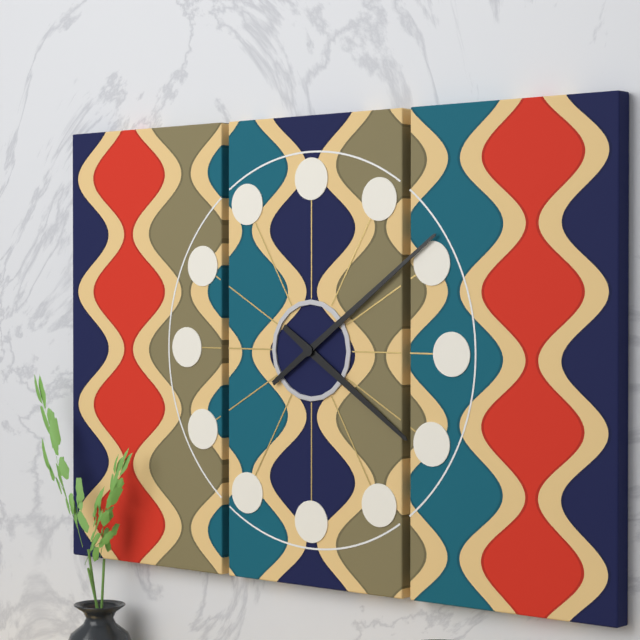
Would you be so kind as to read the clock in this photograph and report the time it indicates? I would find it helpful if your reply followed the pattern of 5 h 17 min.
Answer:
4 h 09 min
